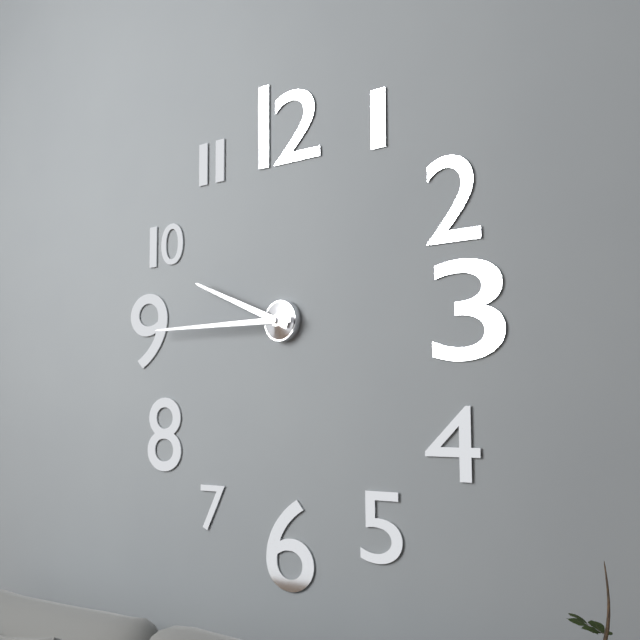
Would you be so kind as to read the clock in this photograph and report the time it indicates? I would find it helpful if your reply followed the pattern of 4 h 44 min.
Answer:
9 h 45 min
